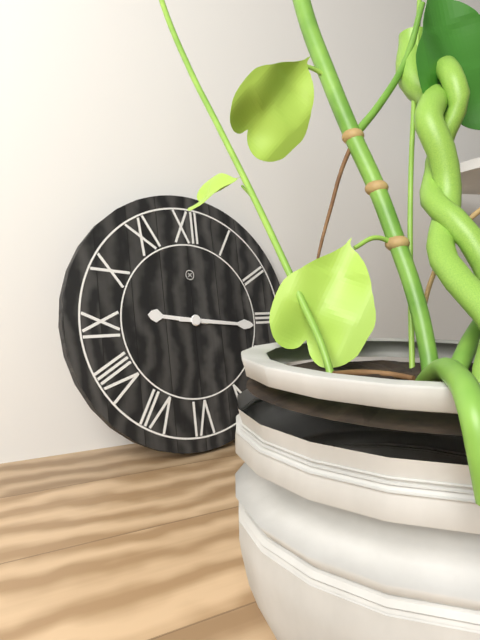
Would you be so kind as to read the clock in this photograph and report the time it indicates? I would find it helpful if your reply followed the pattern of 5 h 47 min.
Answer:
9 h 16 min
